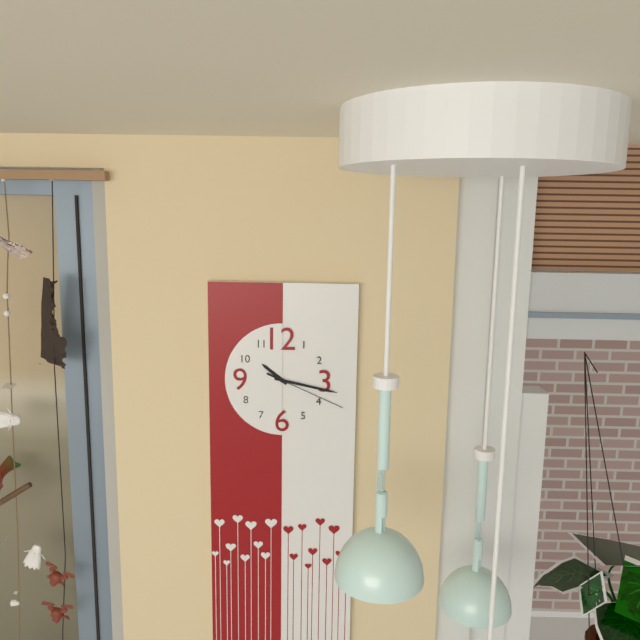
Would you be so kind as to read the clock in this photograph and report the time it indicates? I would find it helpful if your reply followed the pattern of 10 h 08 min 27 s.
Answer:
10 h 17 min 19 s
